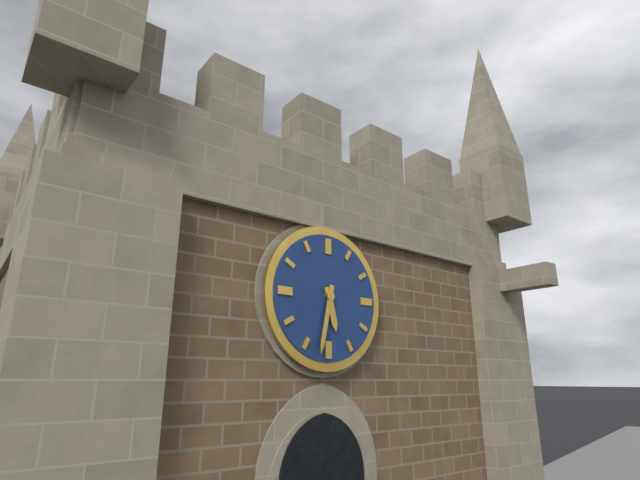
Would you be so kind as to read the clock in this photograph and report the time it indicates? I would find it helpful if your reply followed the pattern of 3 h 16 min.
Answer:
5 h 32 min
